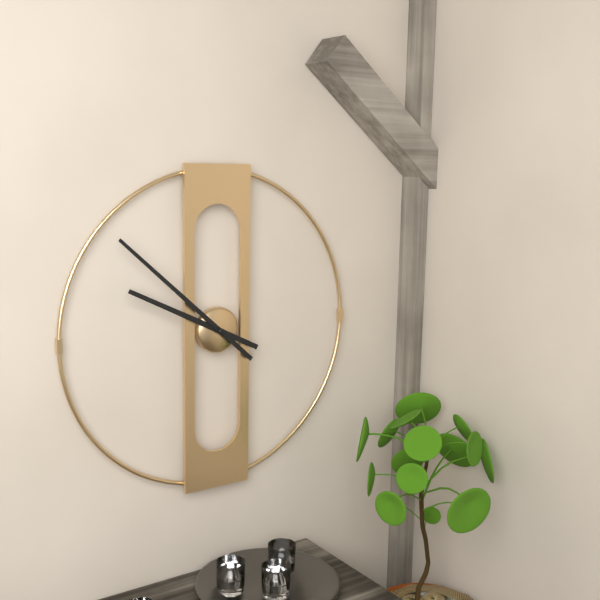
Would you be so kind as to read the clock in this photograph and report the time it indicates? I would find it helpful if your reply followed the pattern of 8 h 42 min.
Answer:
9 h 52 min
